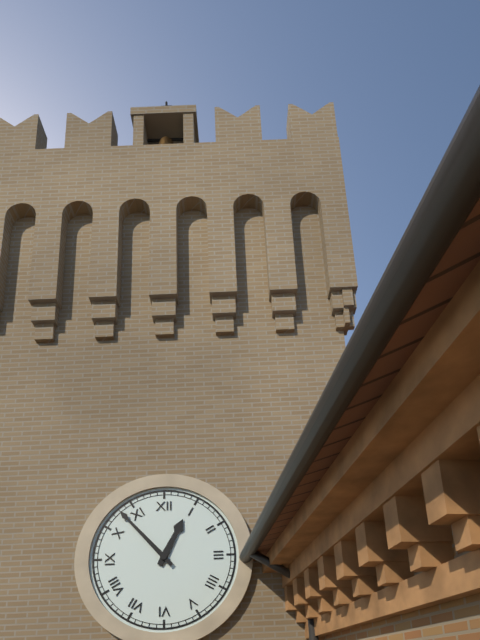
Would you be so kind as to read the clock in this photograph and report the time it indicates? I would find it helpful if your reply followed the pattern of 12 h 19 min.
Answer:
12 h 53 min
